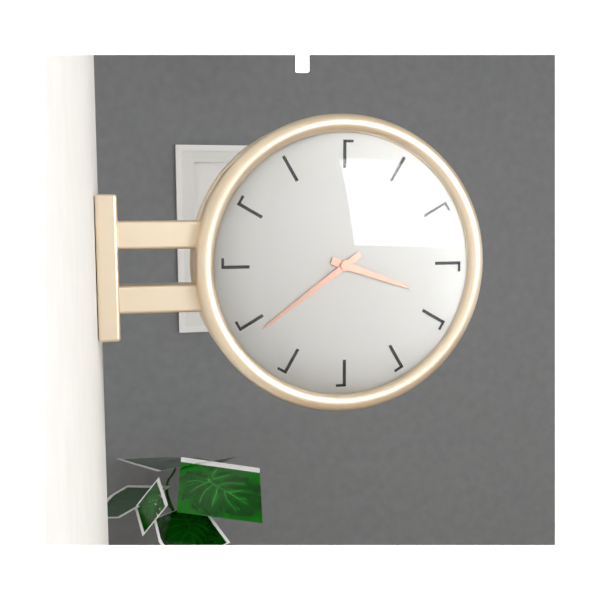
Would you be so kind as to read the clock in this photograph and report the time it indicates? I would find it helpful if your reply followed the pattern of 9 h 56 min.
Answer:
3 h 39 min
